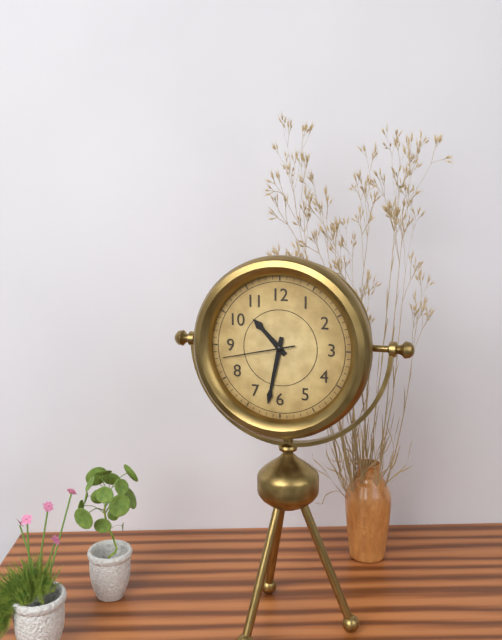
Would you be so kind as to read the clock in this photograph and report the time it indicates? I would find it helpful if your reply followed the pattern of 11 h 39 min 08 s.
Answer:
10 h 32 min 43 s
